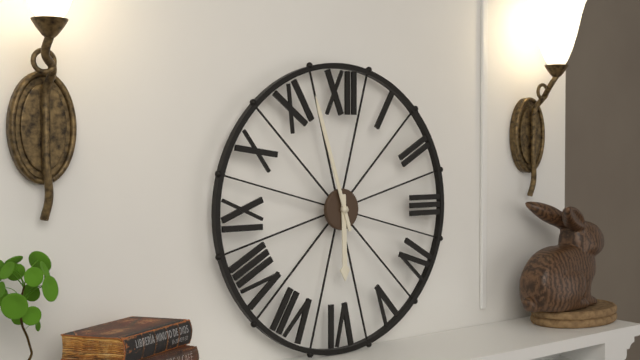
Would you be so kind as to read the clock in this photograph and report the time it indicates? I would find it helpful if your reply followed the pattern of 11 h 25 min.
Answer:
5 h 57 min
